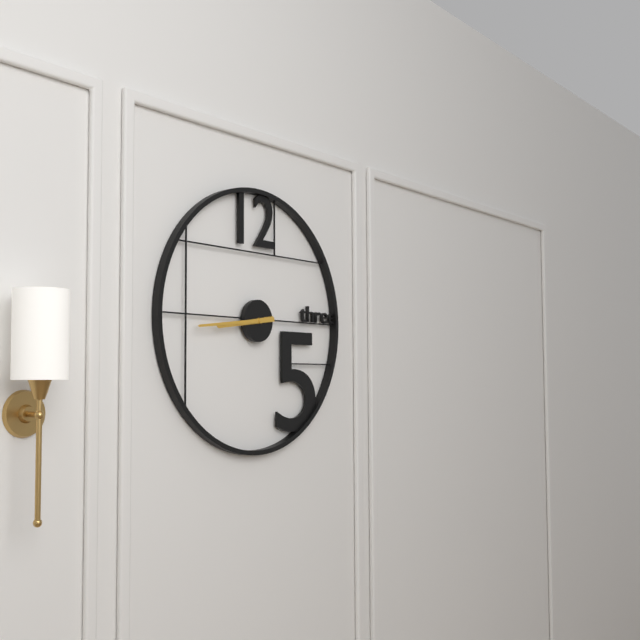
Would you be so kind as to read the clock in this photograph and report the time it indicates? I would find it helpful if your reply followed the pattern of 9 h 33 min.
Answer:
8 h 44 min
